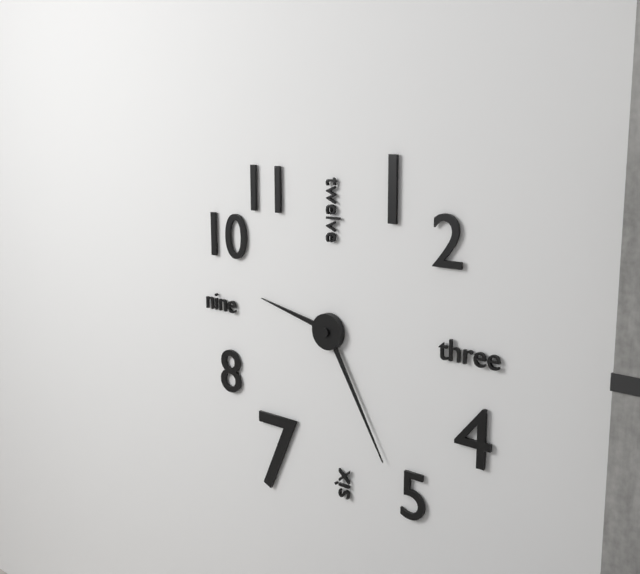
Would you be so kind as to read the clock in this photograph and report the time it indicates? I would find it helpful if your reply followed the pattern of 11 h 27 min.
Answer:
9 h 25 min
